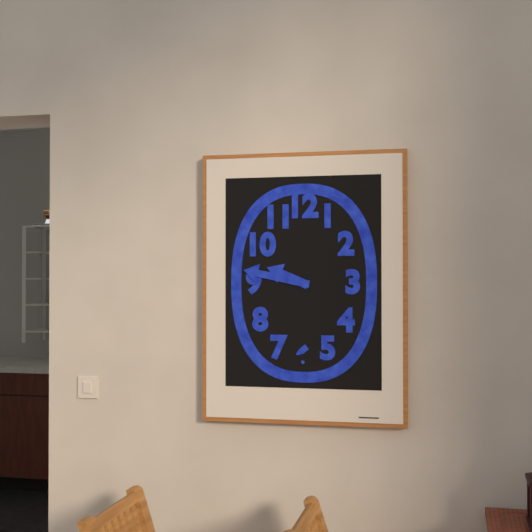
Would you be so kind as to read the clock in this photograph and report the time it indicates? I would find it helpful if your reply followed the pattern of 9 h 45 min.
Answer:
9 h 47 min
